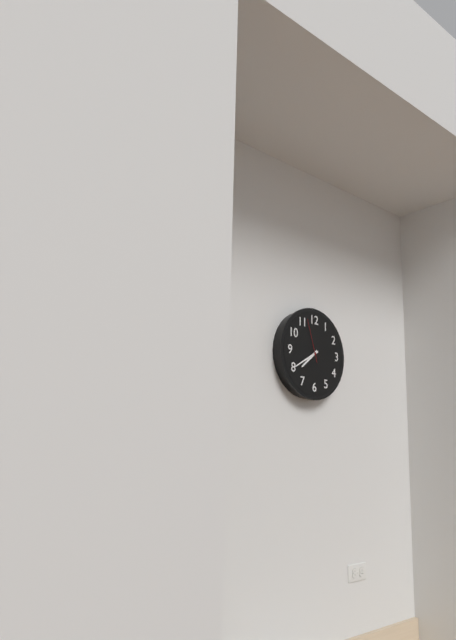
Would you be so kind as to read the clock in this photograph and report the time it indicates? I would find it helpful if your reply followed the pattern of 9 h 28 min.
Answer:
7 h 40 min
